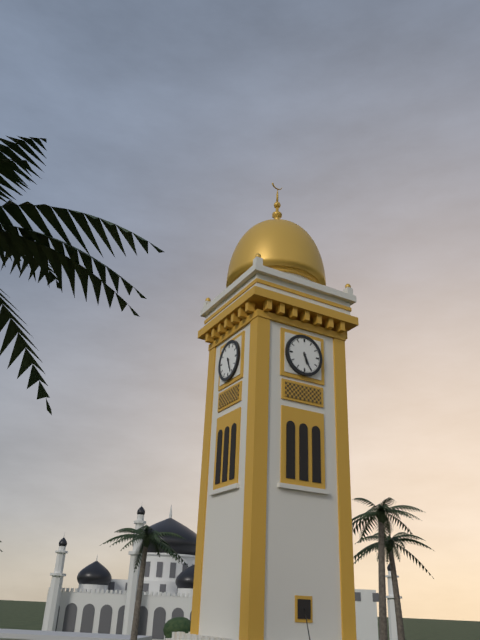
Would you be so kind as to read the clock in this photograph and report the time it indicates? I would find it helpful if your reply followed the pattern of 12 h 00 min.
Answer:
5 h 26 min
